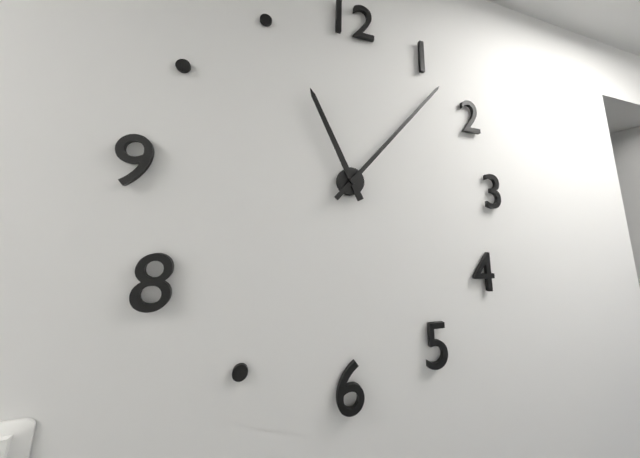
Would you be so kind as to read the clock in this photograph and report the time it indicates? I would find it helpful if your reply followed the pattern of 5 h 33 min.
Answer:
11 h 07 min
